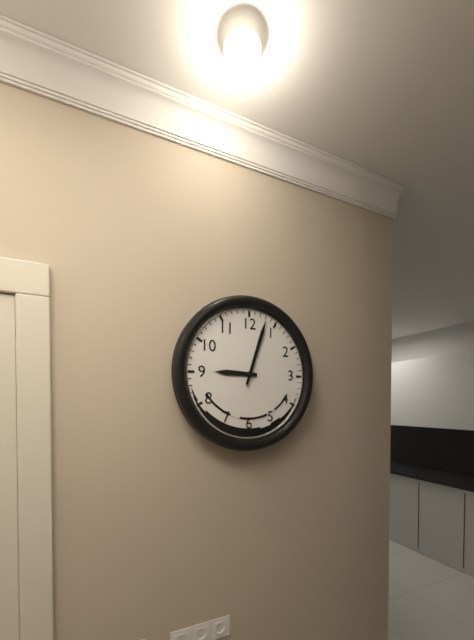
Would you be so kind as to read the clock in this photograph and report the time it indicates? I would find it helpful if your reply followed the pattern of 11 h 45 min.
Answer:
9 h 03 min
